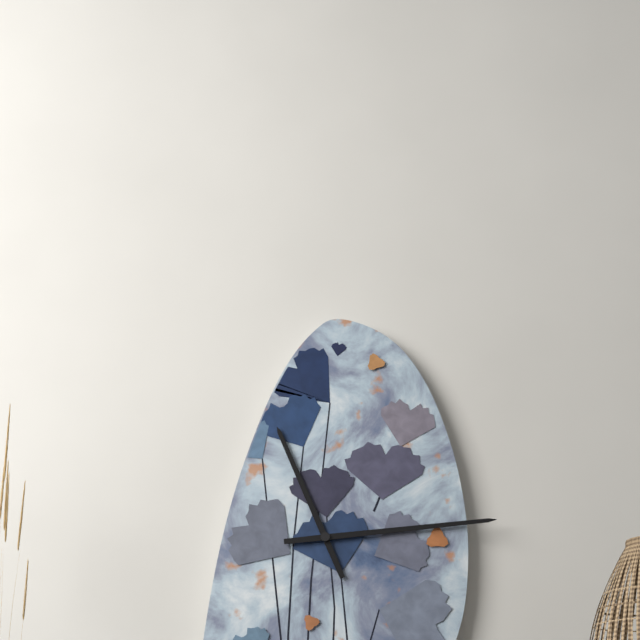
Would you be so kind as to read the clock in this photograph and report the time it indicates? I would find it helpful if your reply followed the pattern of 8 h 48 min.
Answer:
11 h 14 min
